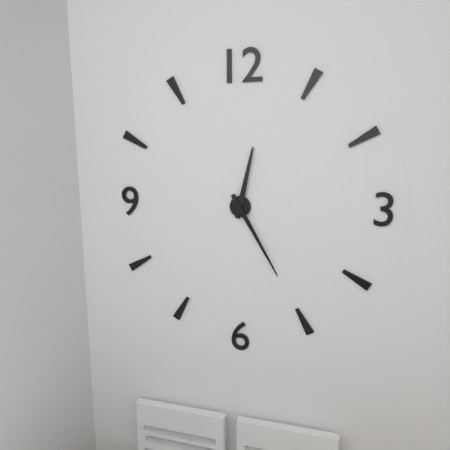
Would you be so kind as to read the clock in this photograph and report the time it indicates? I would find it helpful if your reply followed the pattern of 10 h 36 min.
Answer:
12 h 25 min
